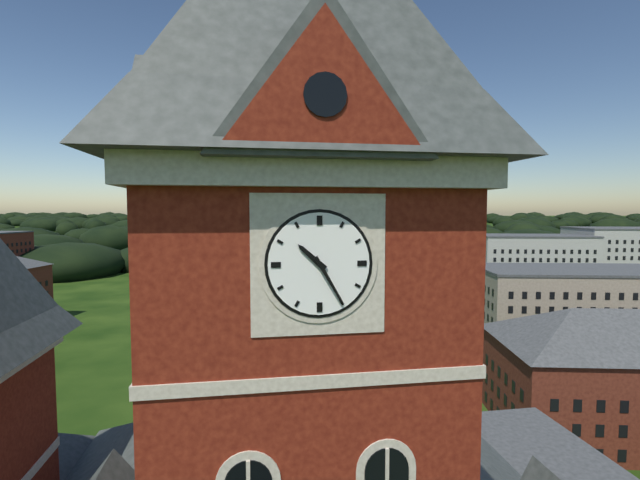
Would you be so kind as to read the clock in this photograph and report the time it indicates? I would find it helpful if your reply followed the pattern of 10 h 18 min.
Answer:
10 h 25 min
